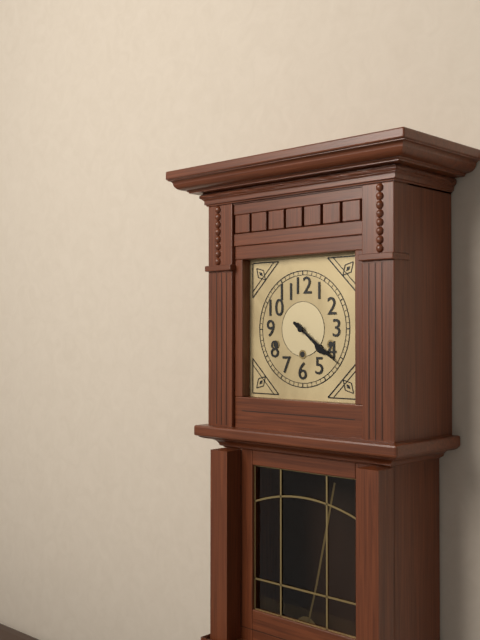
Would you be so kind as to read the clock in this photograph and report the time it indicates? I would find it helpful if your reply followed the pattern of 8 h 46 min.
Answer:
4 h 21 min
